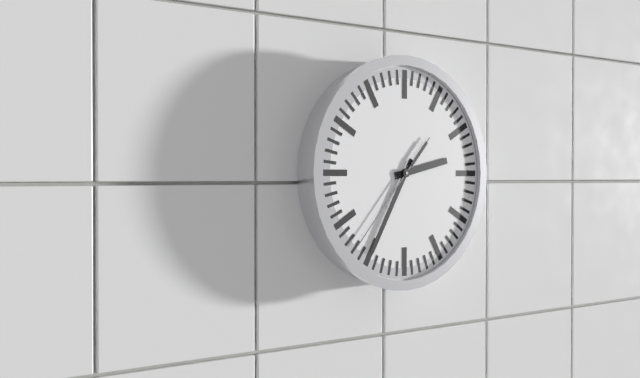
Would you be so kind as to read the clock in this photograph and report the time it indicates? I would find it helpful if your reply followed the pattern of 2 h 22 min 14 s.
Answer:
2 h 35 min 37 s
